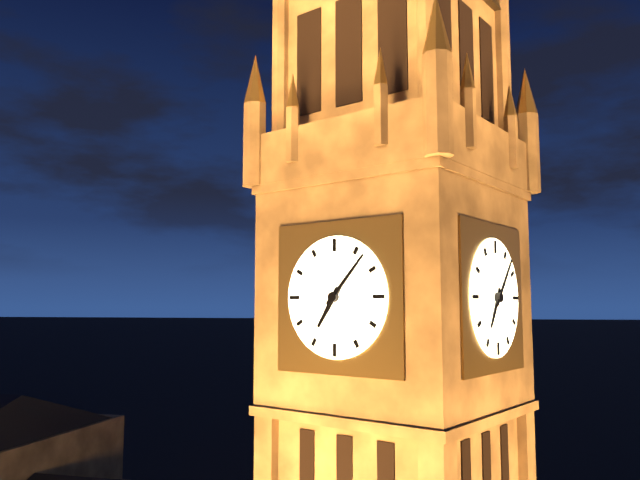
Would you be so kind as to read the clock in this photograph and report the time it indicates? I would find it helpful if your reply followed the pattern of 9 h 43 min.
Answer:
7 h 07 min
